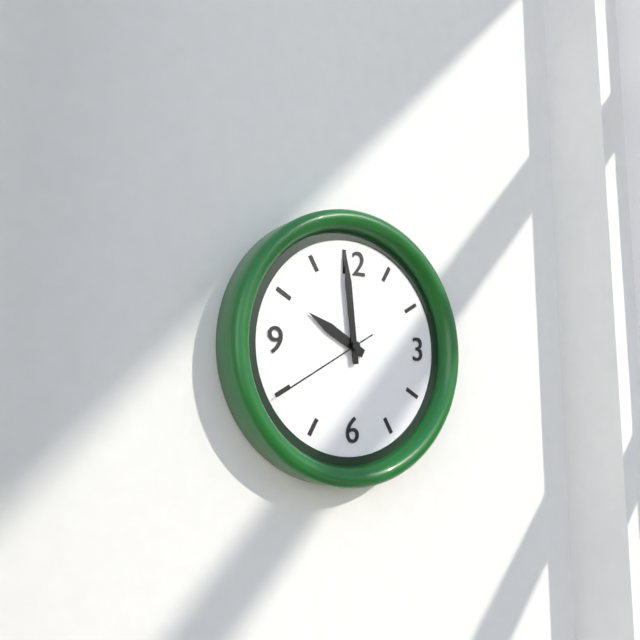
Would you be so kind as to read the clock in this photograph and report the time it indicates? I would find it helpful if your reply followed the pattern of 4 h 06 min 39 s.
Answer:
9 h 59 min 40 s
